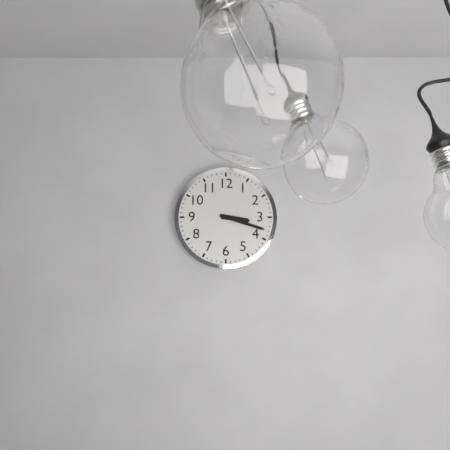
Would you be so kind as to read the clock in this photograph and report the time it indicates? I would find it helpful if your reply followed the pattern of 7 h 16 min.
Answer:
3 h 18 min
